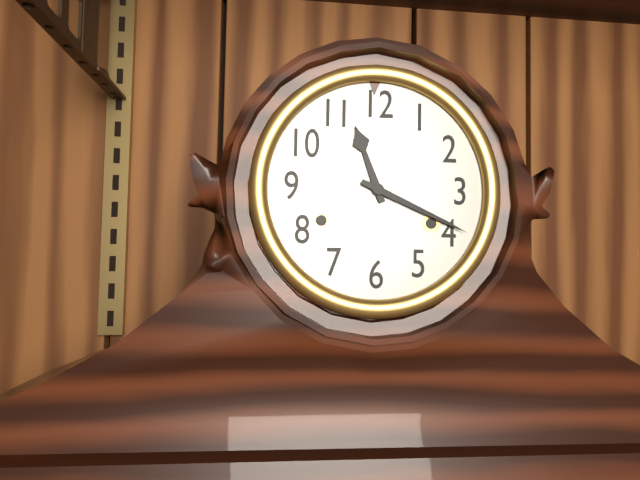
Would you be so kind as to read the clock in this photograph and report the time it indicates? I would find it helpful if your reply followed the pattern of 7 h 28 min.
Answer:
11 h 19 min
